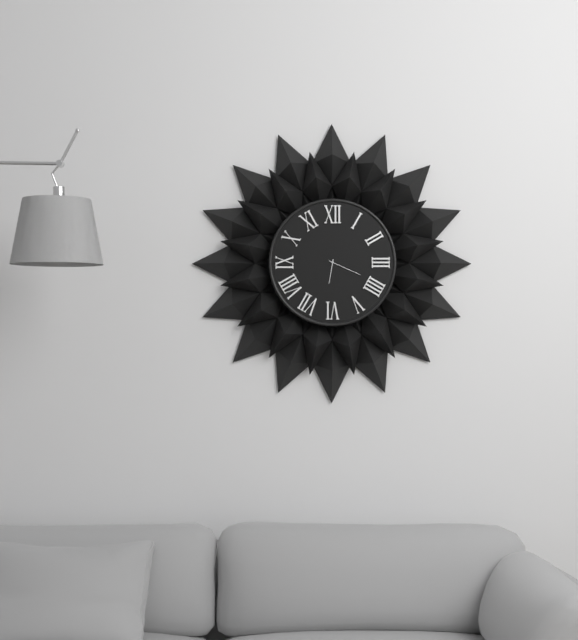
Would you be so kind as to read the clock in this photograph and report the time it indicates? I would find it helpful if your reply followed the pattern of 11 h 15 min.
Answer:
6 h 19 min
